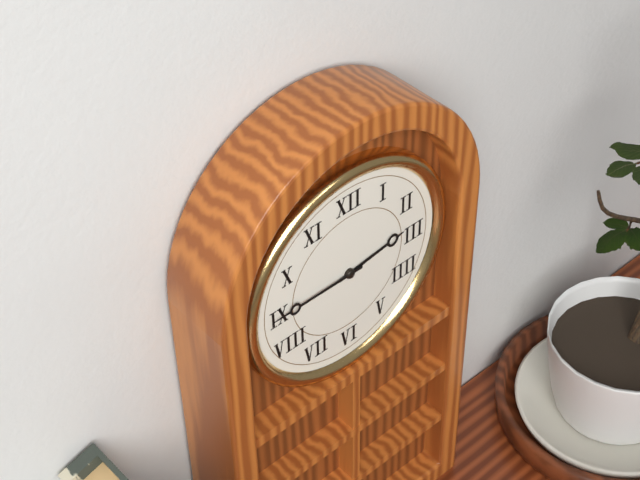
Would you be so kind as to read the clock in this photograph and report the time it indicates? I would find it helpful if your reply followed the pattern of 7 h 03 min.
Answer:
2 h 45 min
